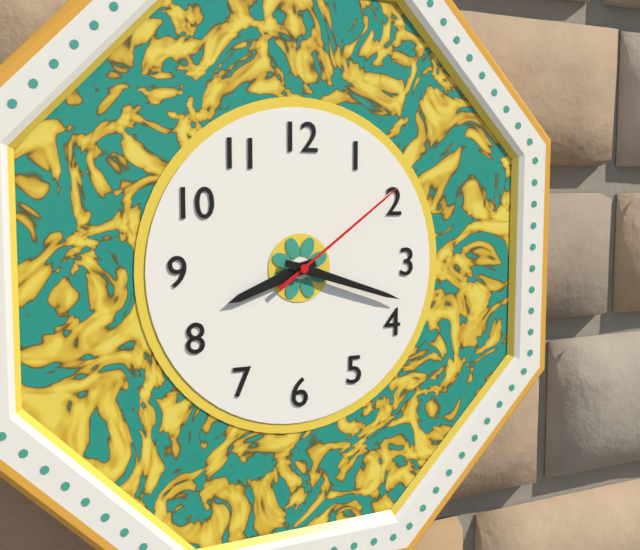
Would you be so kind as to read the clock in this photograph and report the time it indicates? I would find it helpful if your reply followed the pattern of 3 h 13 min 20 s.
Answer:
8 h 18 min 09 s
